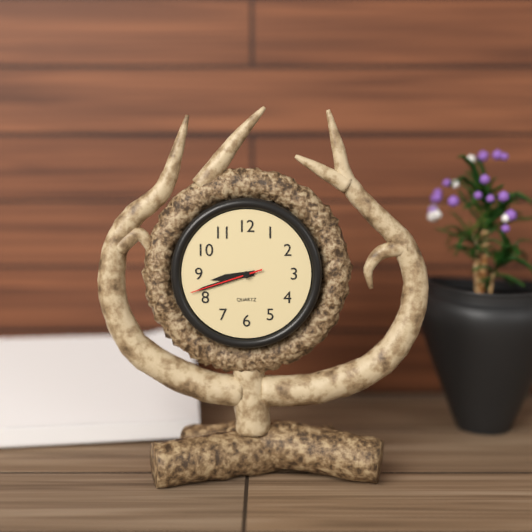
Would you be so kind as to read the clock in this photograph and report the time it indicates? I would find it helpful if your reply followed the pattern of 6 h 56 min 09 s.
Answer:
8 h 42 min 42 s
